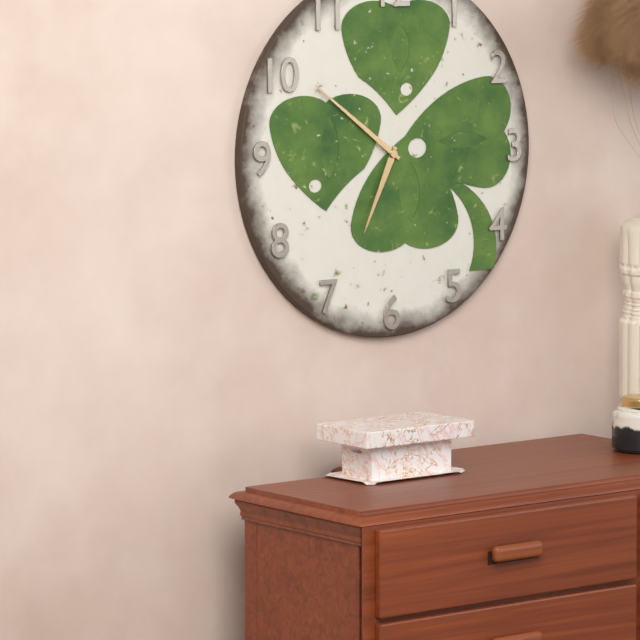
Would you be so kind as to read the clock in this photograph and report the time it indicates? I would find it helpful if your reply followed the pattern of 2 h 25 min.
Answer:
6 h 51 min
